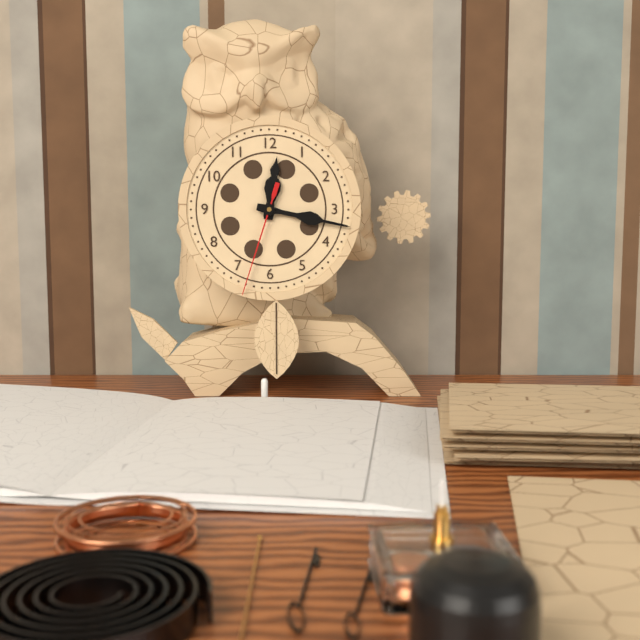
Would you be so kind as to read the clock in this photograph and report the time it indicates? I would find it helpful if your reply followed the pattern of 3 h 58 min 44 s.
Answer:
12 h 17 min 33 s
